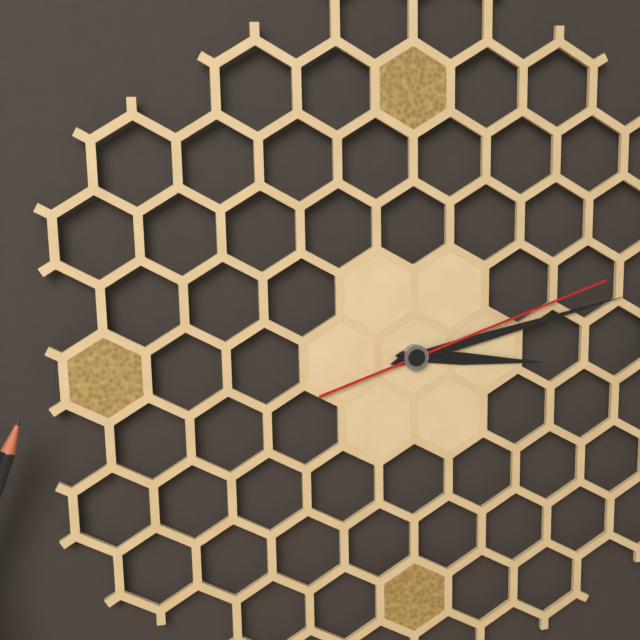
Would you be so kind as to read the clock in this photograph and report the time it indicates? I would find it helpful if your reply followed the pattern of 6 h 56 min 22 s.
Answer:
3 h 13 min 12 s
